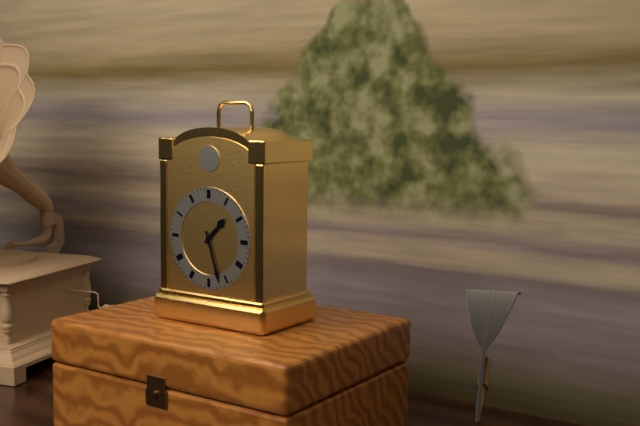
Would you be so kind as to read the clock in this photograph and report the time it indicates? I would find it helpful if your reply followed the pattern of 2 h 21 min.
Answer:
1 h 27 min
